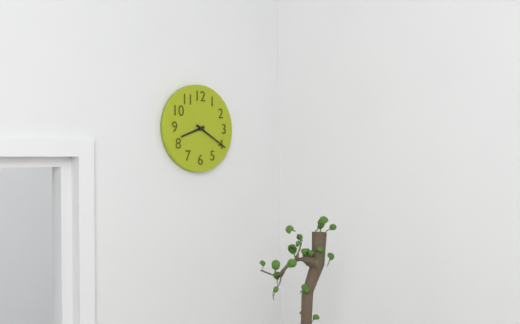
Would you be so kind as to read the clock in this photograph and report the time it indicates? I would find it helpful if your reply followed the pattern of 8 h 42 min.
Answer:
8 h 20 min
